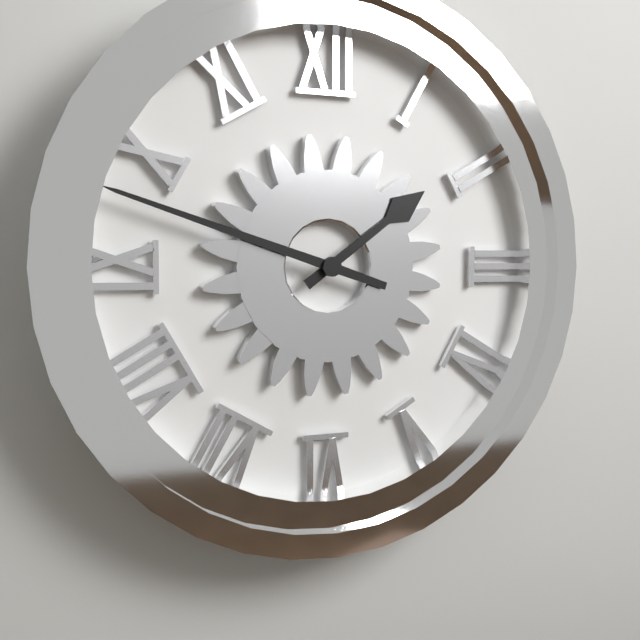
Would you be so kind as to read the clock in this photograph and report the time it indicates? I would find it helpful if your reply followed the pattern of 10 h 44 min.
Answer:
1 h 48 min
